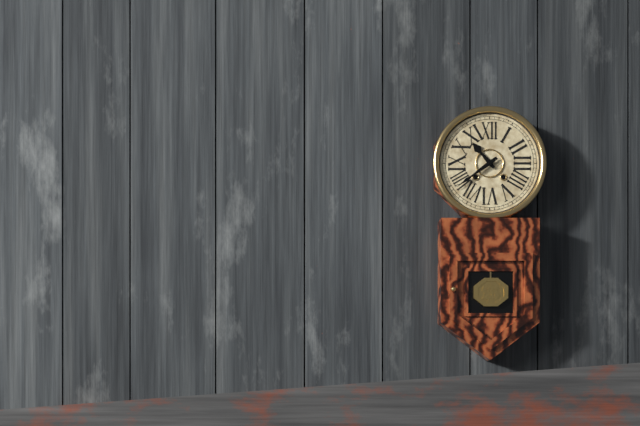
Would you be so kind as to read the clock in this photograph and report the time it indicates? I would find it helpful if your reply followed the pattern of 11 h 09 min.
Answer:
10 h 39 min
